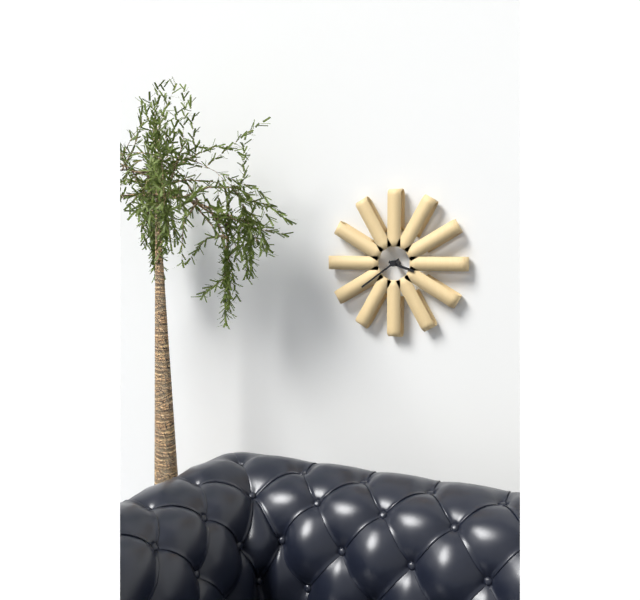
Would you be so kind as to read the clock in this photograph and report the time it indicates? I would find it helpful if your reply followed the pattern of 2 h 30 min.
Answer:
3 h 39 min
